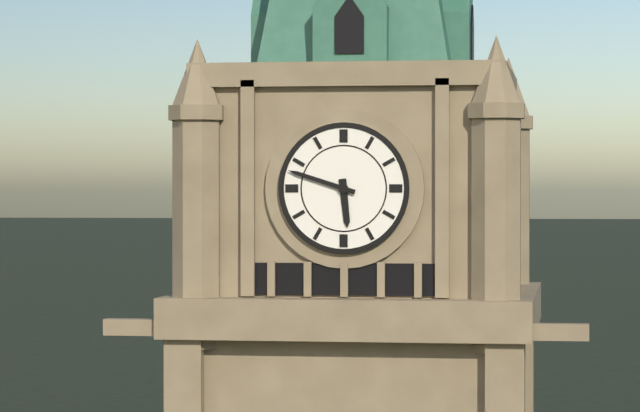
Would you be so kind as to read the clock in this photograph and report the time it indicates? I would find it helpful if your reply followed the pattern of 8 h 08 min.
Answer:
5 h 48 min
